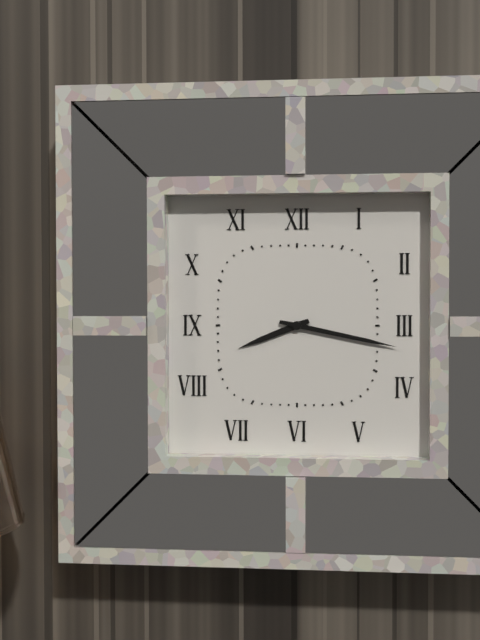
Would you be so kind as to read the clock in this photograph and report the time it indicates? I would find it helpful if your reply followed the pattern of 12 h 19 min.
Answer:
8 h 17 min
